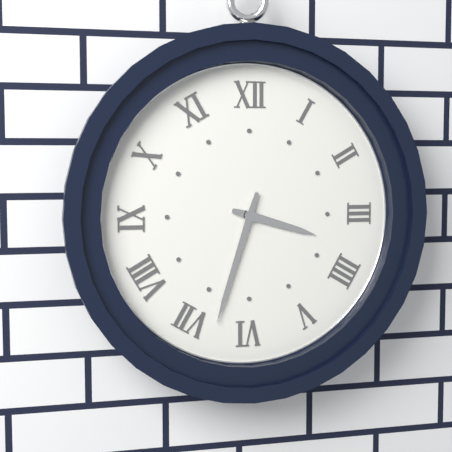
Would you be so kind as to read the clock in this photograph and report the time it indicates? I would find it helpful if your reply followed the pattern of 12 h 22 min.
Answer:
3 h 33 min
